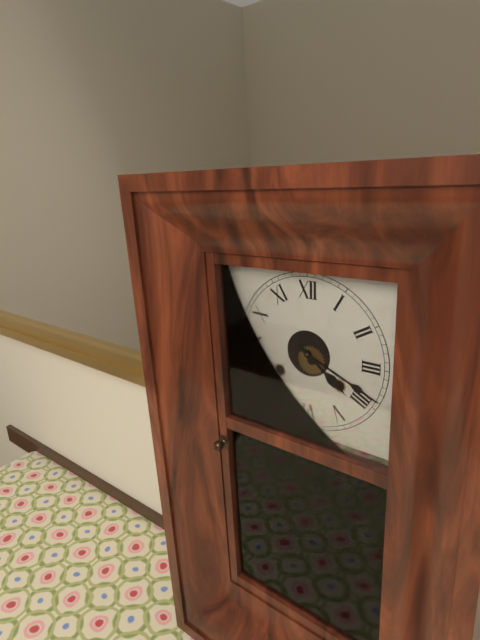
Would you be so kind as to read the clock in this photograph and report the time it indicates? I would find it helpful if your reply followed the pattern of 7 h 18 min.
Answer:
4 h 19 min
